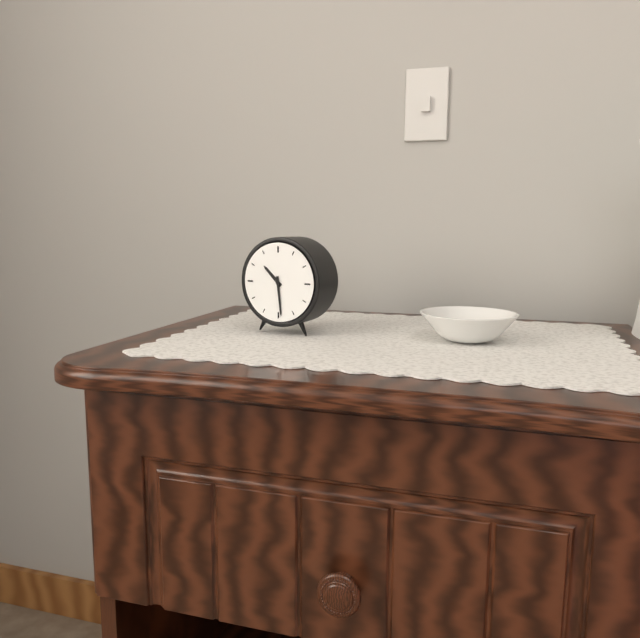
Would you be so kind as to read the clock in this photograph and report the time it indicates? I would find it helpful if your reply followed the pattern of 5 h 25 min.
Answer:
10 h 29 min
